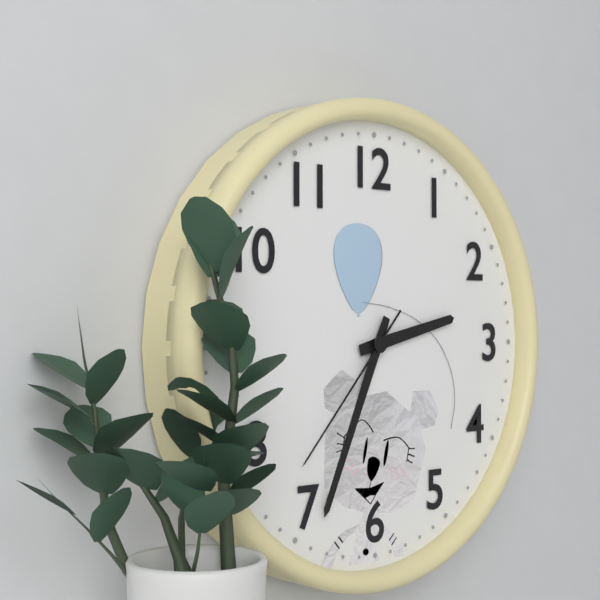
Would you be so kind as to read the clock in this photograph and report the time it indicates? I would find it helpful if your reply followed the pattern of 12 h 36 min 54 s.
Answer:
2 h 34 min 37 s
